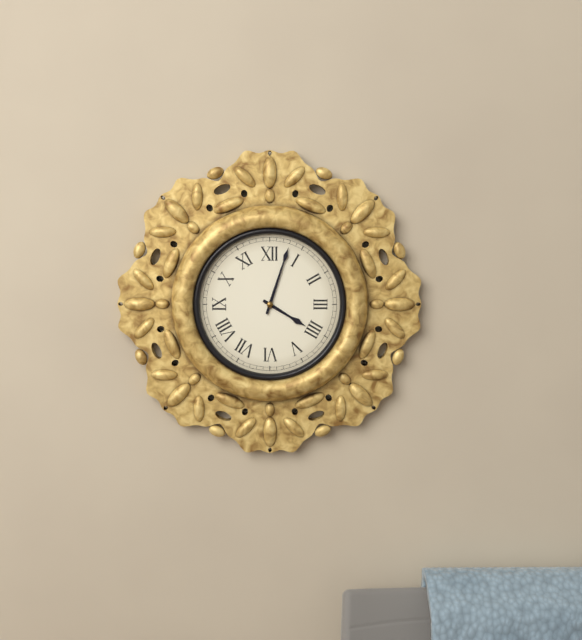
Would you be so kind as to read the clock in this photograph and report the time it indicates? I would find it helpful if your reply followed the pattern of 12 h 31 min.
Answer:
4 h 03 min
